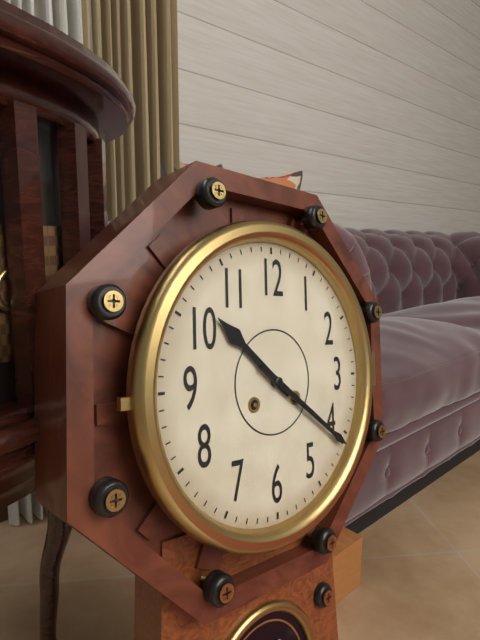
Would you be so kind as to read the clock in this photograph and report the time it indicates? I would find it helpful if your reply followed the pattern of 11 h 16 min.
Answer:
10 h 21 min
